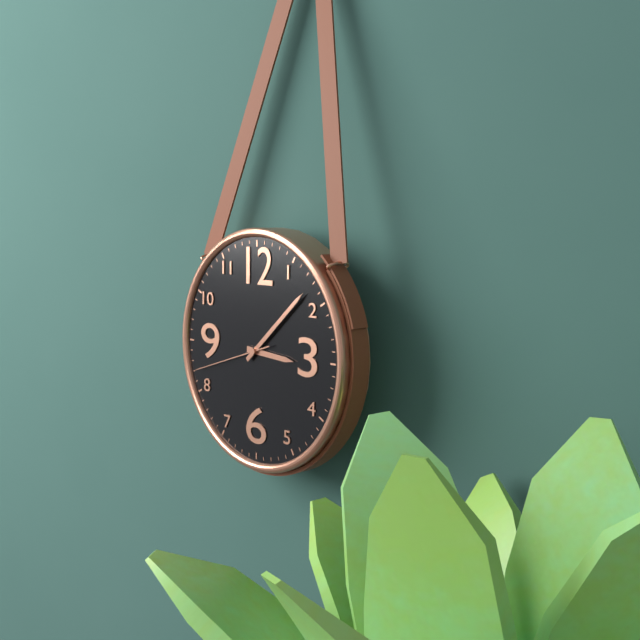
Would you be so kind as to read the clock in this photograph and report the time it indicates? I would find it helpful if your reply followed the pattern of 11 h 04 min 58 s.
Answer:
3 h 08 min 42 s
